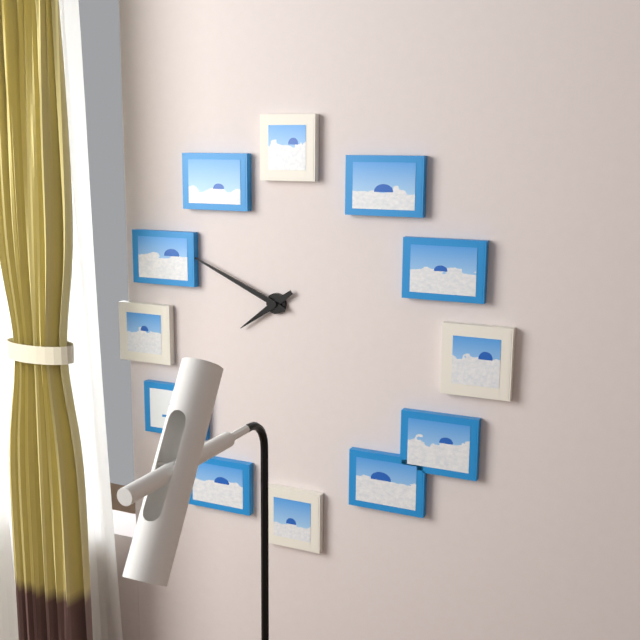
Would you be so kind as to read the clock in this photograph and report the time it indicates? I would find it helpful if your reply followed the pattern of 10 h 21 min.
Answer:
7 h 49 min
